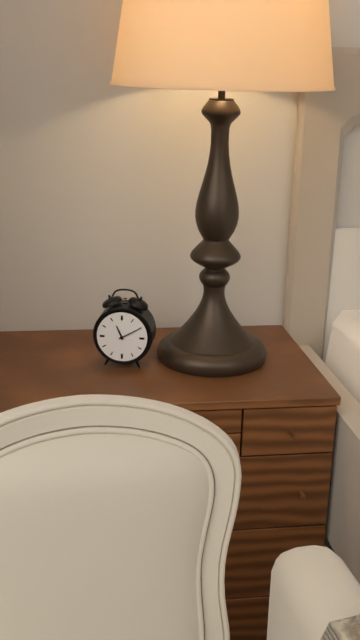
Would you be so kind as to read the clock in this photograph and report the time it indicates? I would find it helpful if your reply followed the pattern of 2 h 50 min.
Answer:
11 h 10 min
